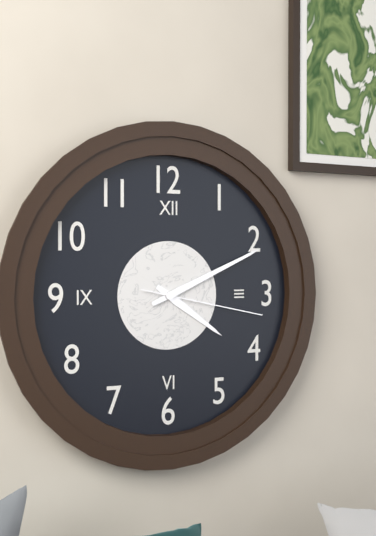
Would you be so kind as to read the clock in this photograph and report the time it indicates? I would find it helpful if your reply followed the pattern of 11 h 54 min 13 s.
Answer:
4 h 11 min 17 s
